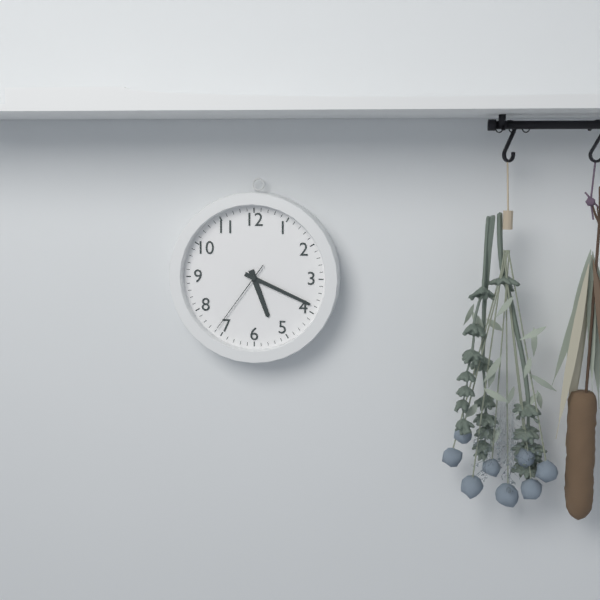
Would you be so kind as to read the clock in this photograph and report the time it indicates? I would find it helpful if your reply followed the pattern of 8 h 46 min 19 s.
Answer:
5 h 19 min 36 s
